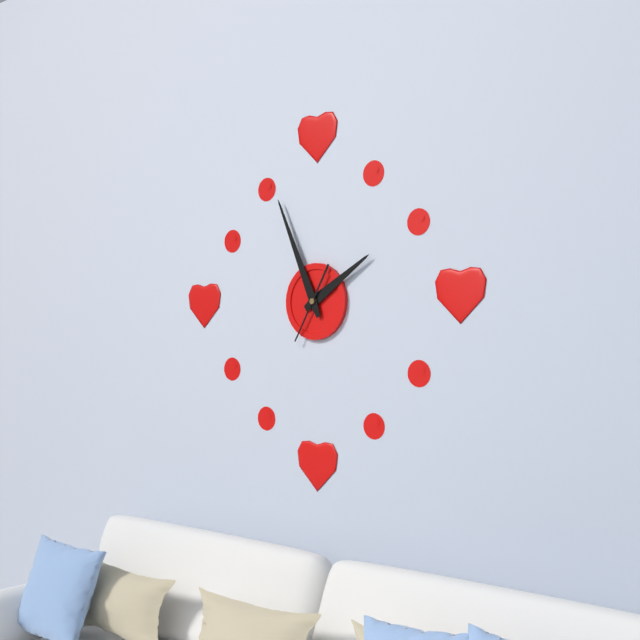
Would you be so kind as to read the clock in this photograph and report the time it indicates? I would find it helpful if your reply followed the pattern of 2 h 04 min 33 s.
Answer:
1 h 56 min 35 s
